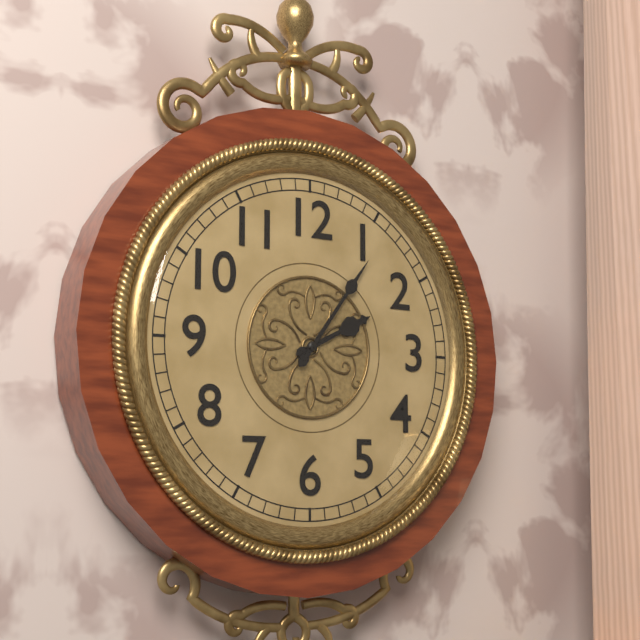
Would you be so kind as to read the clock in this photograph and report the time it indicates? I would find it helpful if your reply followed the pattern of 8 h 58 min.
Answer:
2 h 06 min
